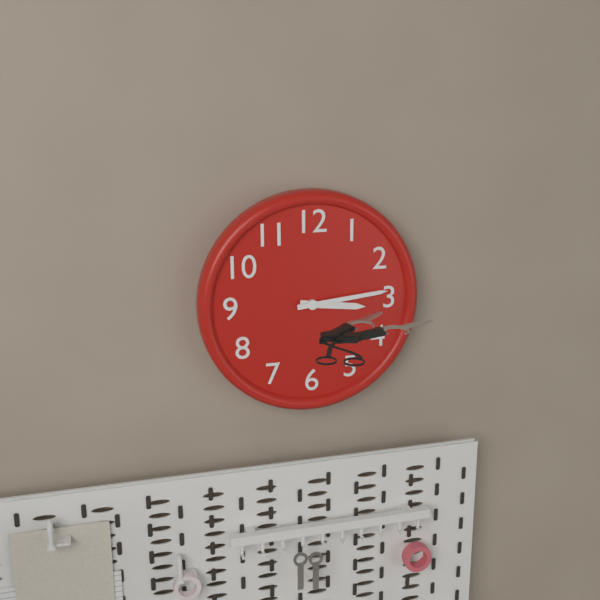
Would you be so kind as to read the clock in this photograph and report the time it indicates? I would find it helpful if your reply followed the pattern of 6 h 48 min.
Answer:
3 h 14 min
